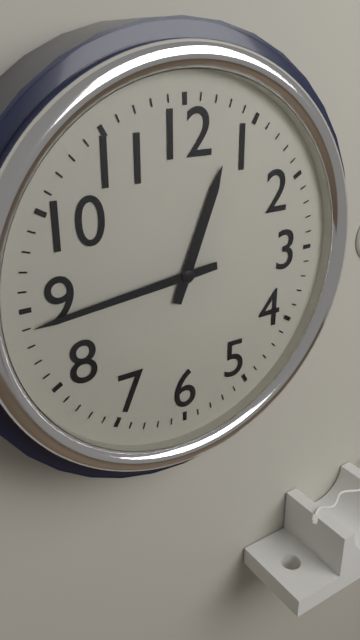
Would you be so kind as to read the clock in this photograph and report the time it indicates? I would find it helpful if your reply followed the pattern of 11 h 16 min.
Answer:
12 h 44 min
